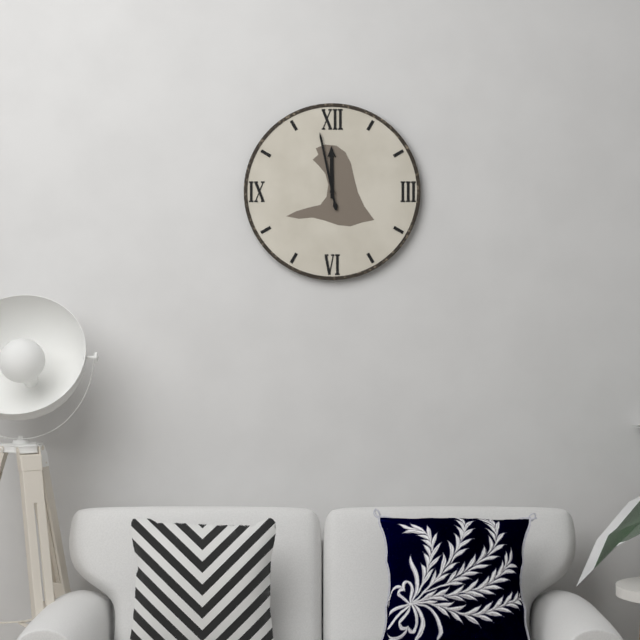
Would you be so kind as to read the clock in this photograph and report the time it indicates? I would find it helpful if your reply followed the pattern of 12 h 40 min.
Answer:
11 h 58 min
